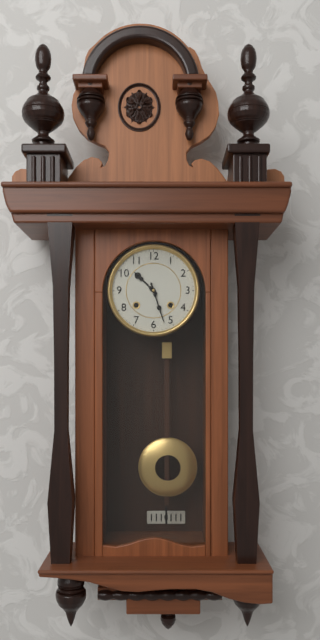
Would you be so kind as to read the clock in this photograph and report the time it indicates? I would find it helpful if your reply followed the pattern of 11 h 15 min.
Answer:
10 h 27 min
